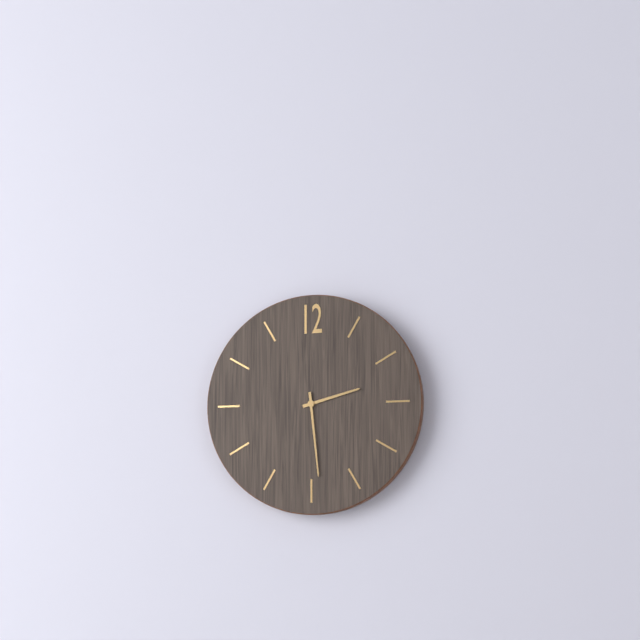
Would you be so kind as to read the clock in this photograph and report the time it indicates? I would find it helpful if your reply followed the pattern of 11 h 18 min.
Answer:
2 h 29 min
